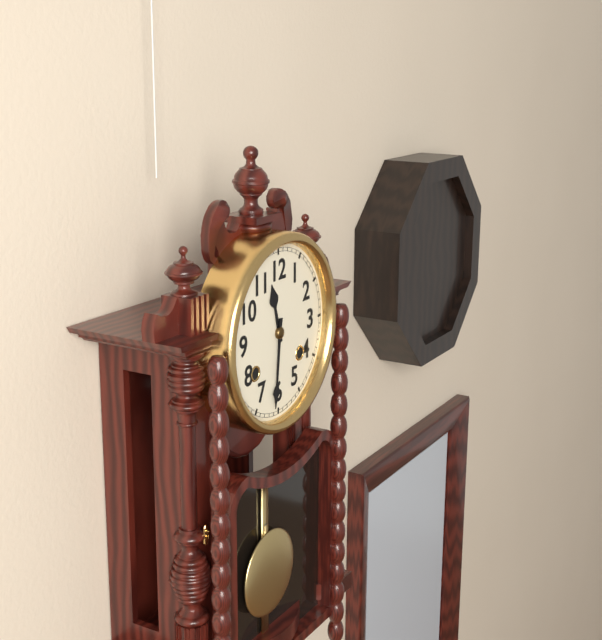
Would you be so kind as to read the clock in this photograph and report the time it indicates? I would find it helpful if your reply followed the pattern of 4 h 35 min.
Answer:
11 h 31 min
